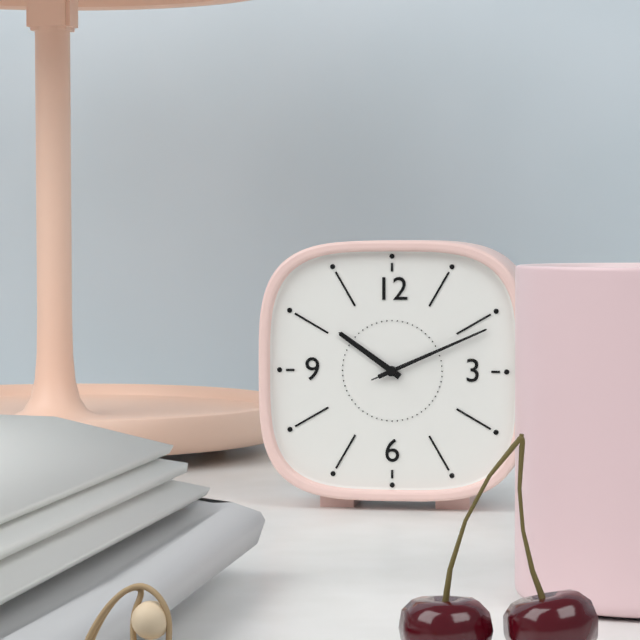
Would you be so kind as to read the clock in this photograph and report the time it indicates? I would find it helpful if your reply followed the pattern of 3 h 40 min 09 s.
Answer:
10 h 11 min 11 s
